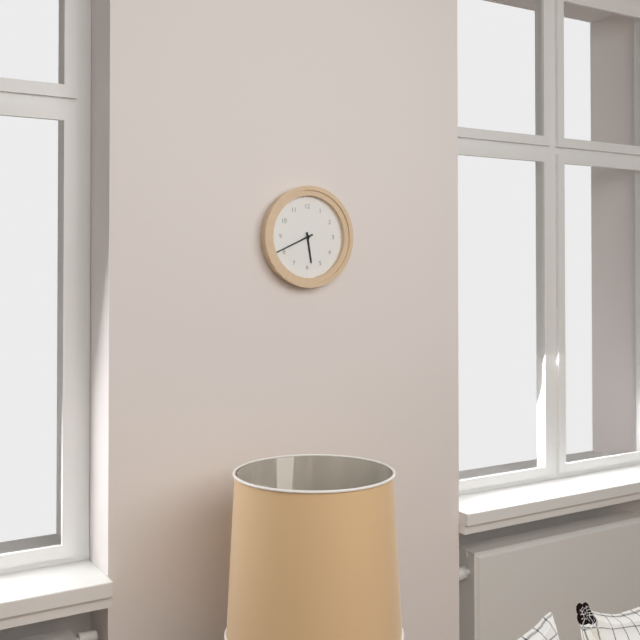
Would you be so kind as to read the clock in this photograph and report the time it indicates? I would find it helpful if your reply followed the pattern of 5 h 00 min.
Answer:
5 h 41 min
